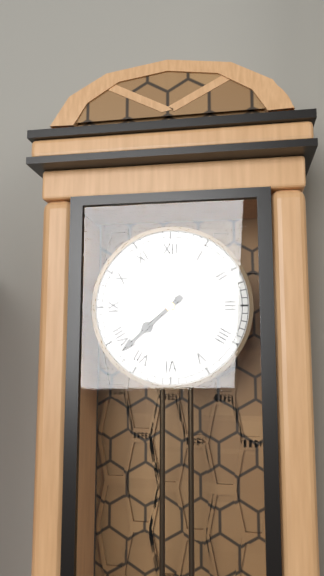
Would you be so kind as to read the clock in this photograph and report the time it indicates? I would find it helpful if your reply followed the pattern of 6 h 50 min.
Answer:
7 h 38 min
